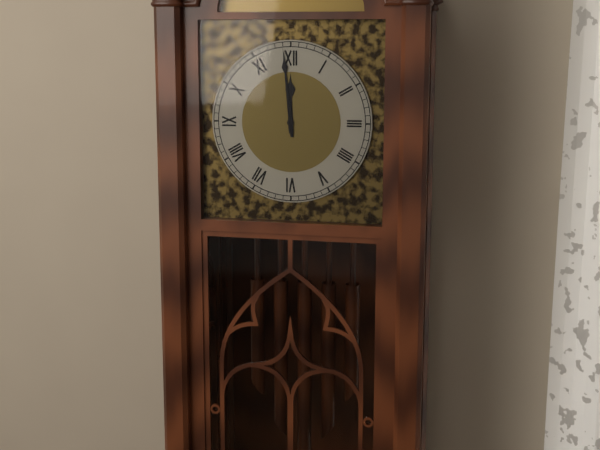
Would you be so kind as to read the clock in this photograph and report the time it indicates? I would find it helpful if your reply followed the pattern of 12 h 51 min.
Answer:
11 h 59 min
